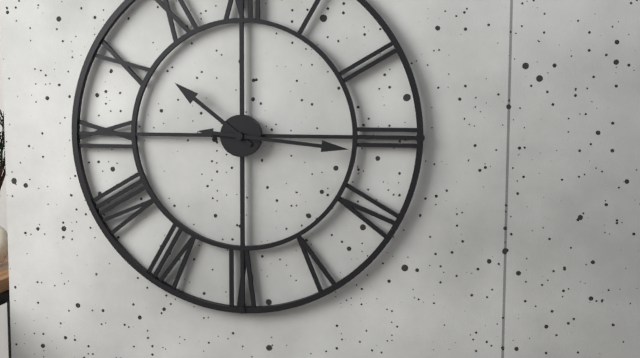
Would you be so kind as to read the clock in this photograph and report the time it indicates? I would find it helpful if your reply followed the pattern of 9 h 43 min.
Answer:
10 h 16 min
